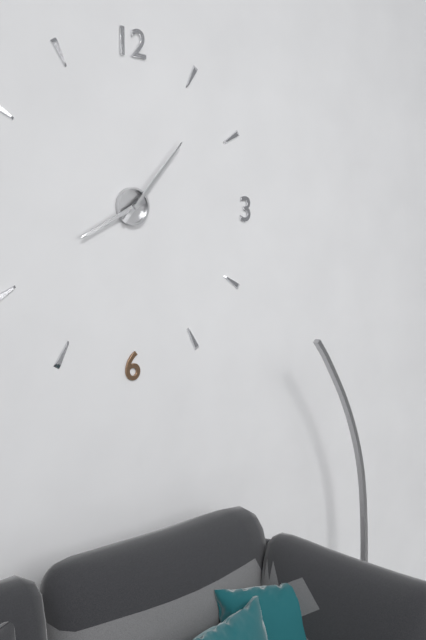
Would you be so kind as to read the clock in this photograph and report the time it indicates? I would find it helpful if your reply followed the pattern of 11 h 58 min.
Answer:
8 h 07 min
